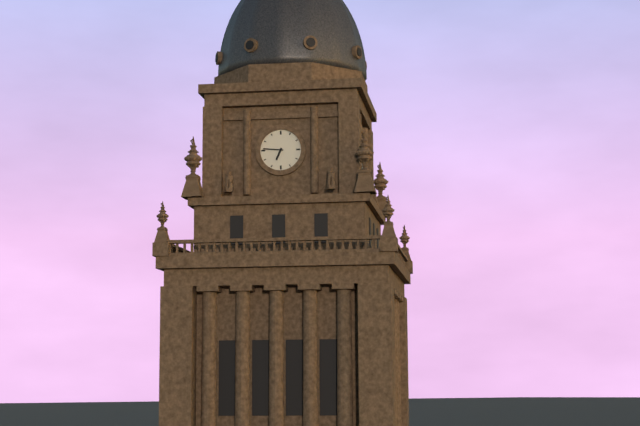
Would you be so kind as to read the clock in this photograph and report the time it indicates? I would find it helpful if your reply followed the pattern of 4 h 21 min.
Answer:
6 h 46 min
